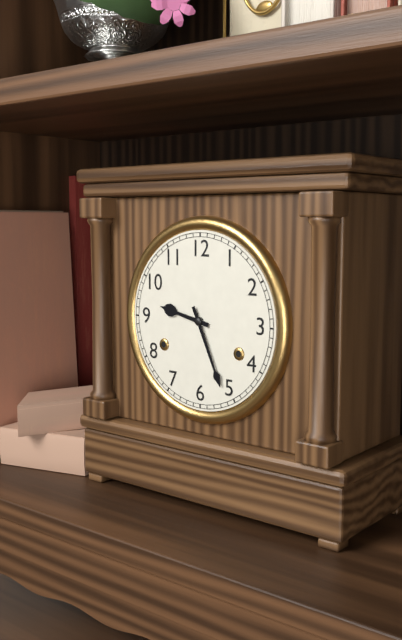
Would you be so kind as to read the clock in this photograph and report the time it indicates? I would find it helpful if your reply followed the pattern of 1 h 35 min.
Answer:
9 h 26 min
